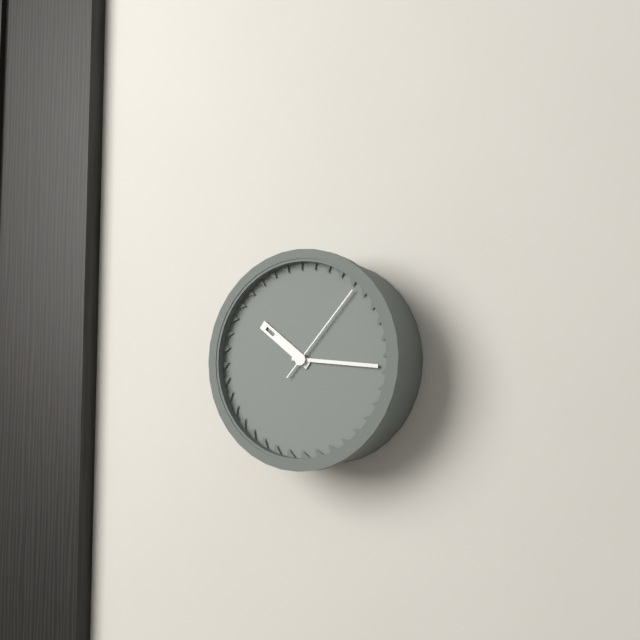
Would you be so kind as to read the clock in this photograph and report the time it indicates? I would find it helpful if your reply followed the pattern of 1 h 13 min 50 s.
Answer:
10 h 16 min 07 s
